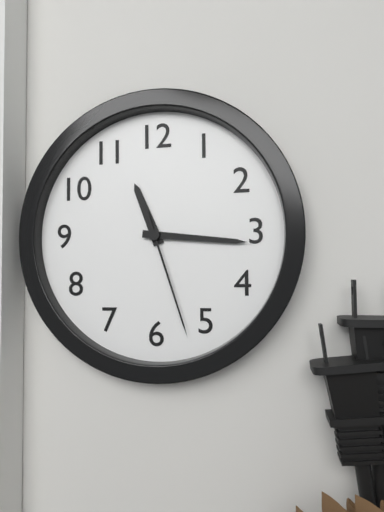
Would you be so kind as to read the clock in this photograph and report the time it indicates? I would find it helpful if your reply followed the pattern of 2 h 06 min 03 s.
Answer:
11 h 16 min 27 s
